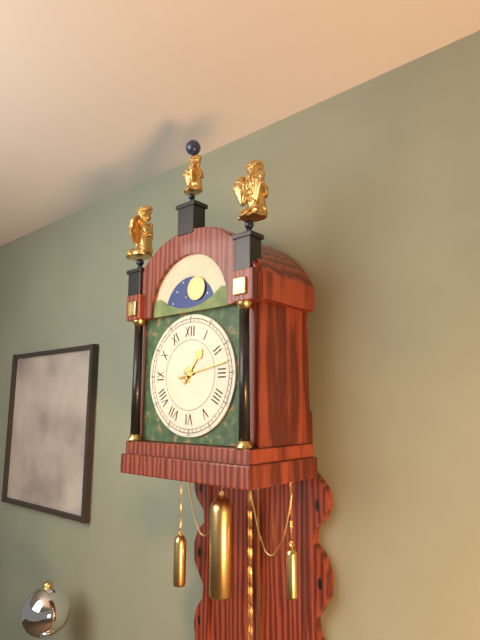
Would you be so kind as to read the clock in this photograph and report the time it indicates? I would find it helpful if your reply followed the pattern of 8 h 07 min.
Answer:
1 h 13 min
